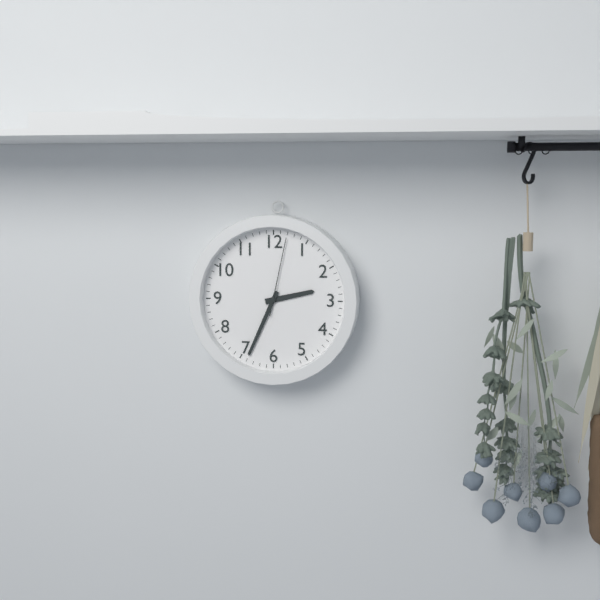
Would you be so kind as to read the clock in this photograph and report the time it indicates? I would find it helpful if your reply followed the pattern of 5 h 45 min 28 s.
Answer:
2 h 34 min 02 s
